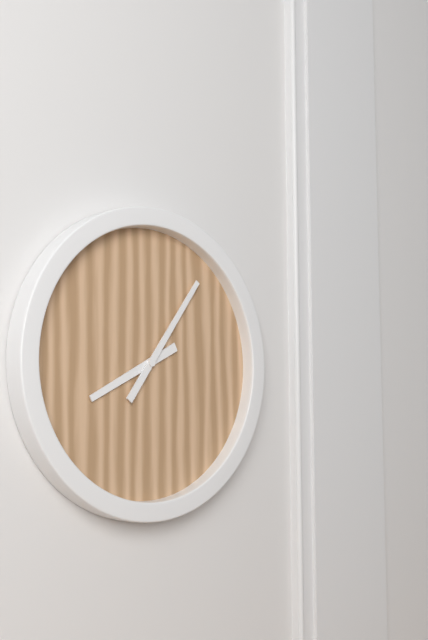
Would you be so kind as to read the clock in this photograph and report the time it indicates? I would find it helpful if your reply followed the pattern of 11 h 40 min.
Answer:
8 h 06 min
